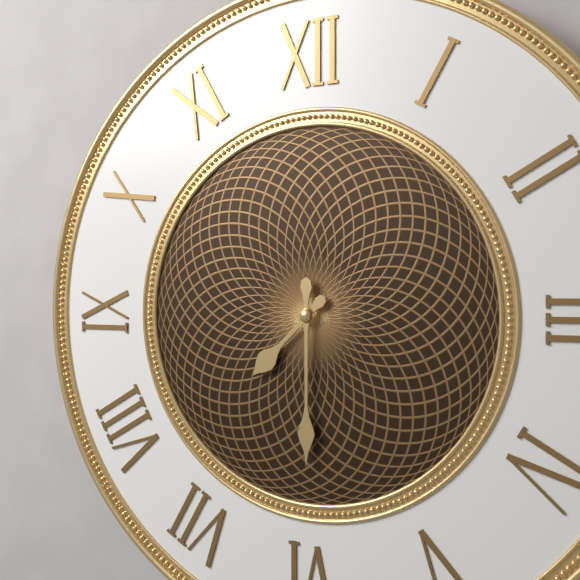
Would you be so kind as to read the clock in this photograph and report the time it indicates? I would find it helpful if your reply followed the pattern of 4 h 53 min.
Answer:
7 h 30 min
